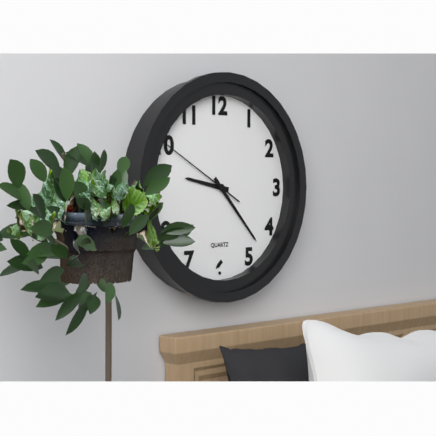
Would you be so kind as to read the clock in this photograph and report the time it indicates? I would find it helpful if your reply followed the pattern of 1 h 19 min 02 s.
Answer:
9 h 23 min 50 s
